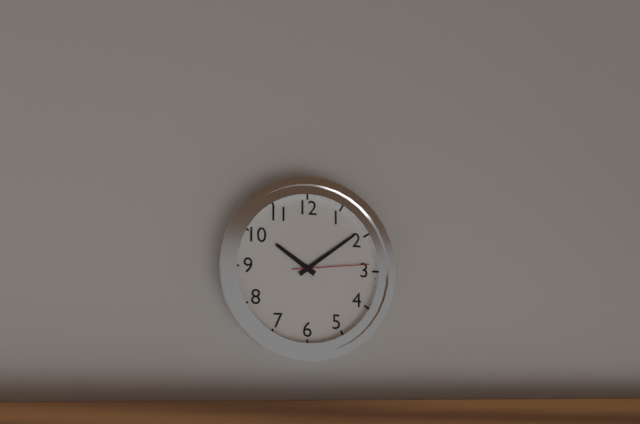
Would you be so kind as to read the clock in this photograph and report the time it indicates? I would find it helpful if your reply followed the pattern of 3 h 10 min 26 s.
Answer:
10 h 09 min 14 s
